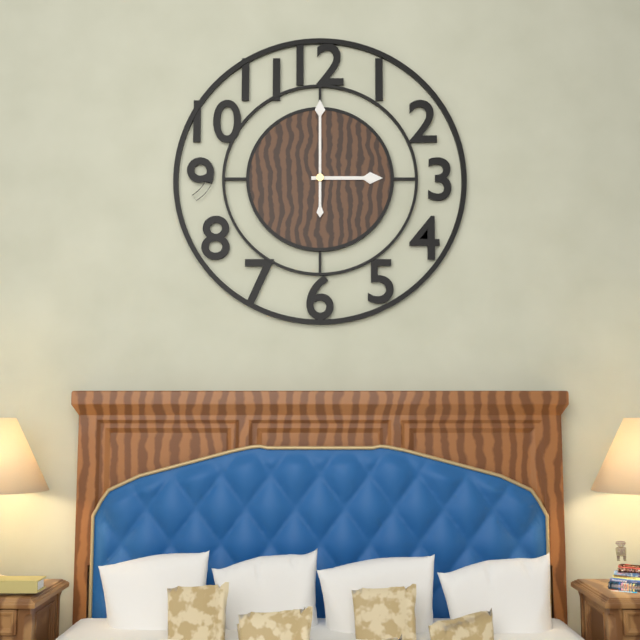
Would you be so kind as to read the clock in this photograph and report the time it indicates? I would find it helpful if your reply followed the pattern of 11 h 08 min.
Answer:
3 h 00 min
